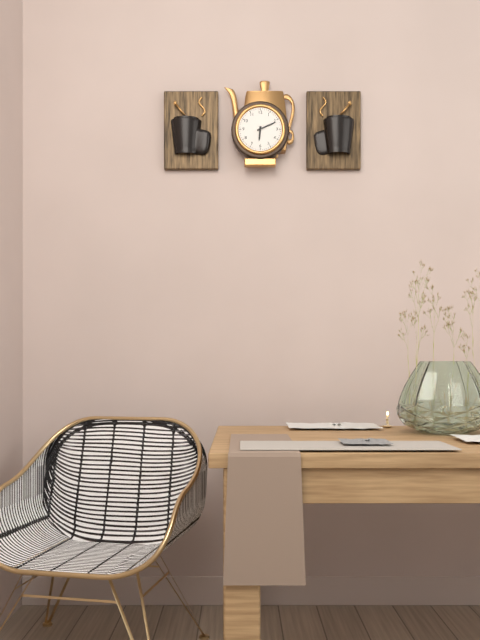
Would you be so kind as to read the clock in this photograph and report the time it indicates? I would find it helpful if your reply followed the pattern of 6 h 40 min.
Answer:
6 h 11 min
